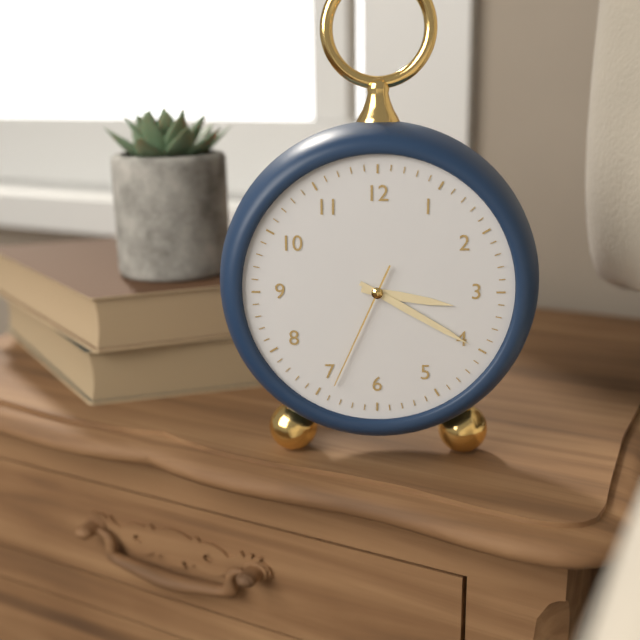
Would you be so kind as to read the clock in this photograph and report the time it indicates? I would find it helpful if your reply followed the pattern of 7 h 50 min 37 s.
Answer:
3 h 20 min 34 s
